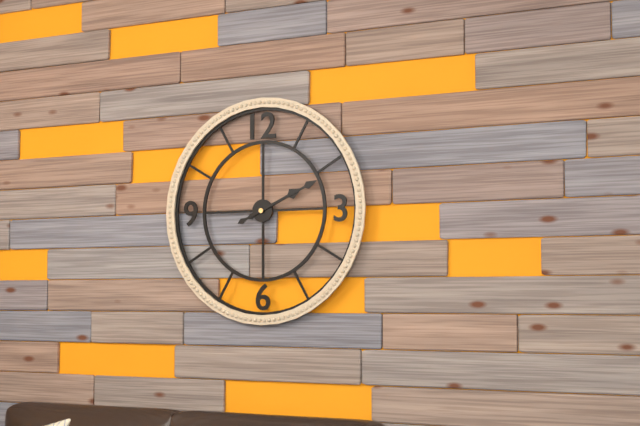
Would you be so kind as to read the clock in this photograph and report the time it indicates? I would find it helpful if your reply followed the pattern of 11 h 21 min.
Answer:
2 h 11 min
